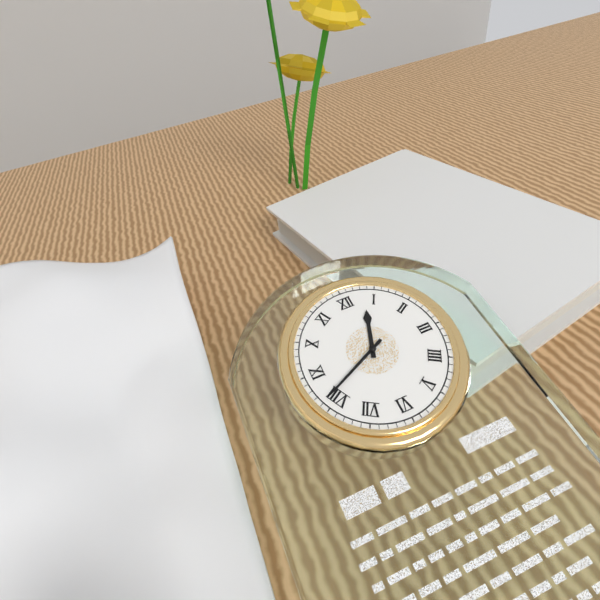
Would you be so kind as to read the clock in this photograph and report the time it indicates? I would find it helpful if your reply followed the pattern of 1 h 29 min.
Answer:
12 h 41 min
